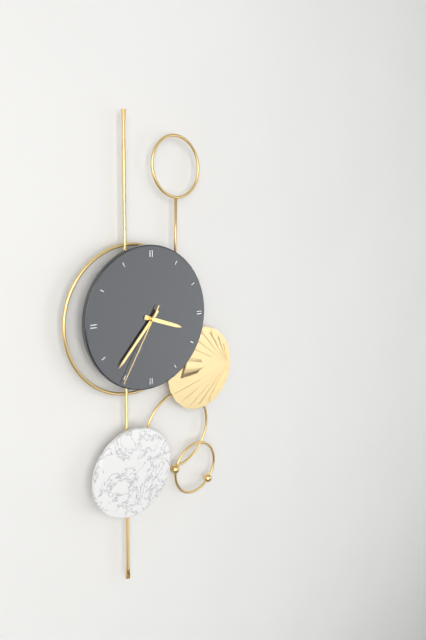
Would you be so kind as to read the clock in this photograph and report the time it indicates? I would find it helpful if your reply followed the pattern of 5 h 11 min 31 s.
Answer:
3 h 37 min 35 s
